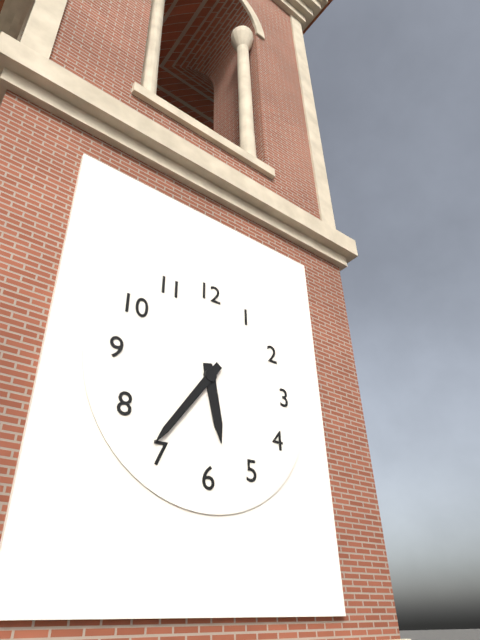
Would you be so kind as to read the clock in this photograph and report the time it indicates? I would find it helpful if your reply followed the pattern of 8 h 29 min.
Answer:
5 h 36 min
